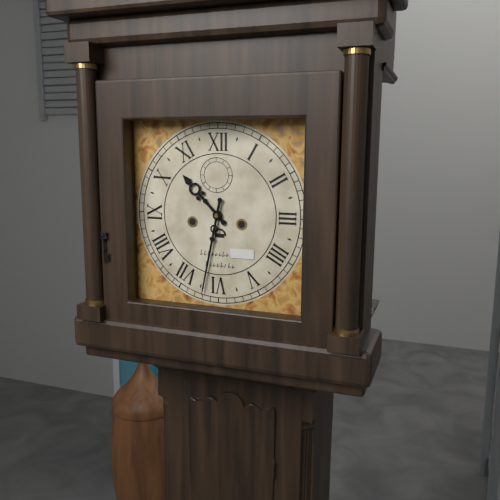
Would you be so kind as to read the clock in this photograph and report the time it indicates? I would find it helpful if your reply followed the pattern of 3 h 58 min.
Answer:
10 h 32 min
